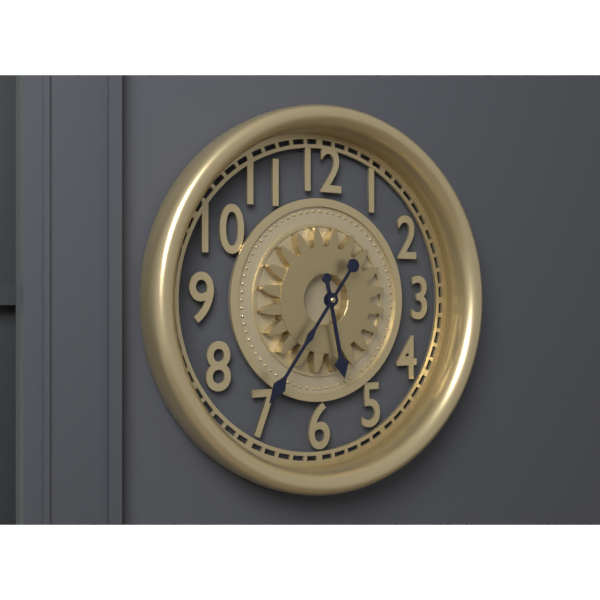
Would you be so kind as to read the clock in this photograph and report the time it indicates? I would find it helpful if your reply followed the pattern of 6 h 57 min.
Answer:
5 h 36 min
